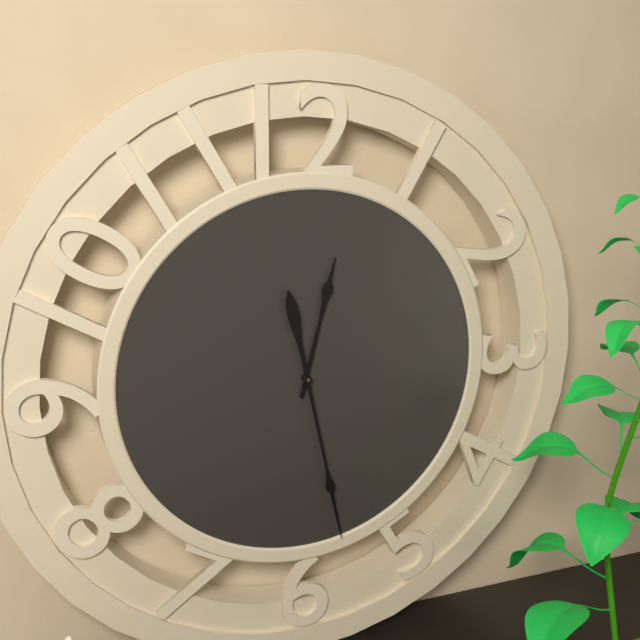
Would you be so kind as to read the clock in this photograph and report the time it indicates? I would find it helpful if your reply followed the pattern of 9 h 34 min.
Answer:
12 h 28 min
